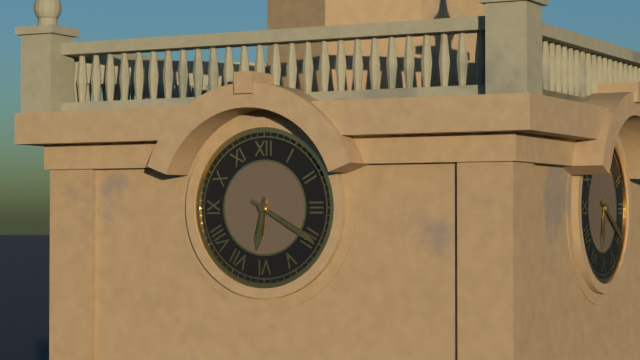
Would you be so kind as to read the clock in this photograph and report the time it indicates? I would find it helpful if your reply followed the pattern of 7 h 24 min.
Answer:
6 h 20 min
